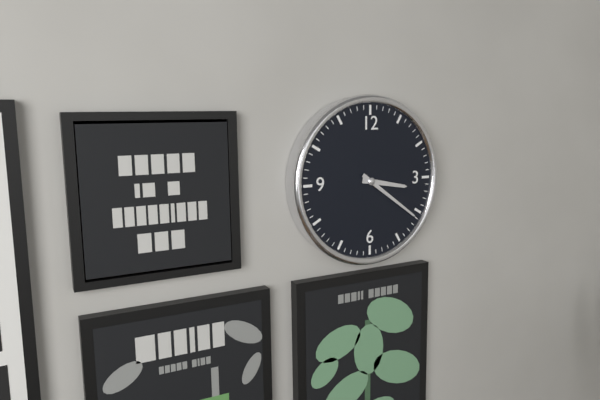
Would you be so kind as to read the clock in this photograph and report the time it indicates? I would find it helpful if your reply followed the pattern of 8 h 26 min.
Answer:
3 h 21 min
